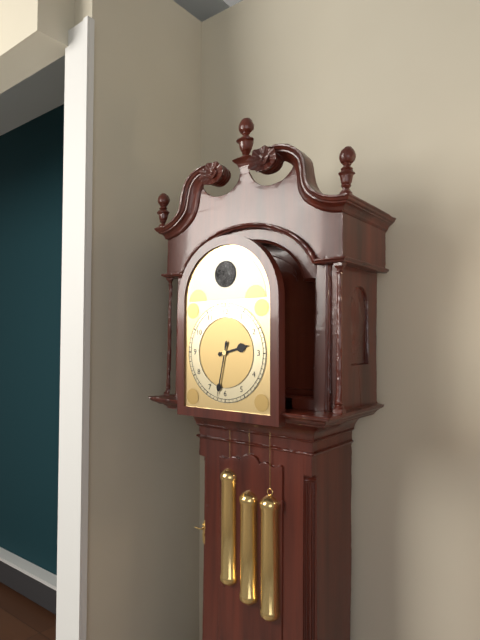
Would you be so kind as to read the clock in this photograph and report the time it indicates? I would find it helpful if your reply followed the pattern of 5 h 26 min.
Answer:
2 h 32 min
